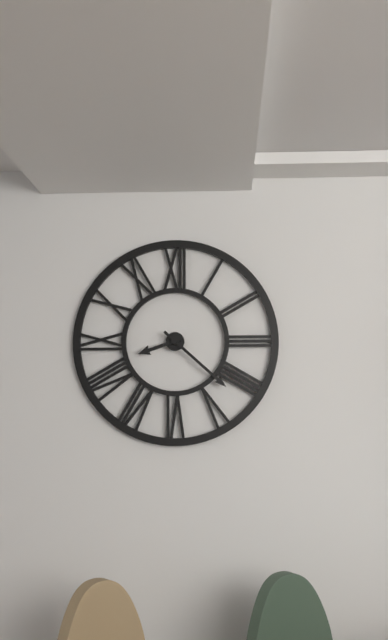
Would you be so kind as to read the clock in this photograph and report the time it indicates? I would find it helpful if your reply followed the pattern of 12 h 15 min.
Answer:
8 h 22 min
